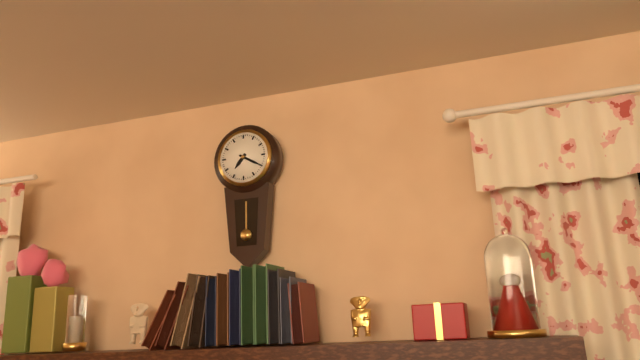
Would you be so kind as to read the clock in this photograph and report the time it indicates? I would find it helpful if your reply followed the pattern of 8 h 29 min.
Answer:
7 h 20 min
